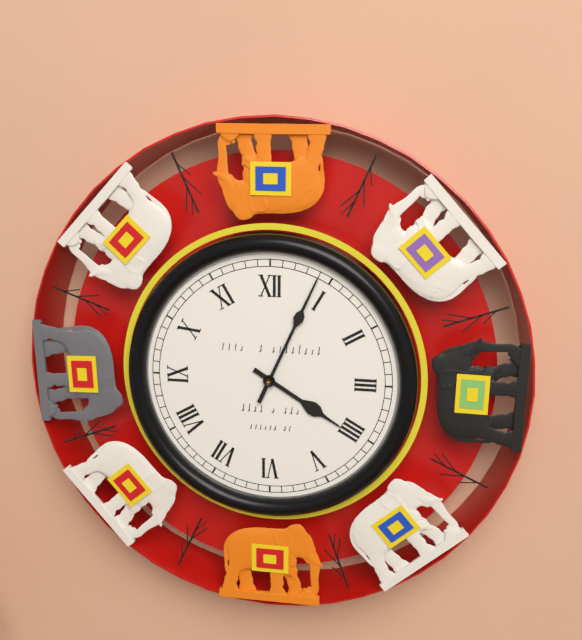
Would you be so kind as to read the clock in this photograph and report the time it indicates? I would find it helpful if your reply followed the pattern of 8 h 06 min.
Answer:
4 h 04 min
